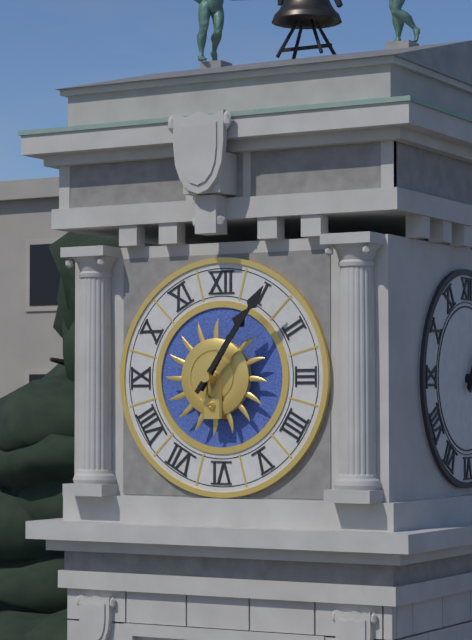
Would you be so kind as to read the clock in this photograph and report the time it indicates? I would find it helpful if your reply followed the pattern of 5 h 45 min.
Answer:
1 h 06 min
